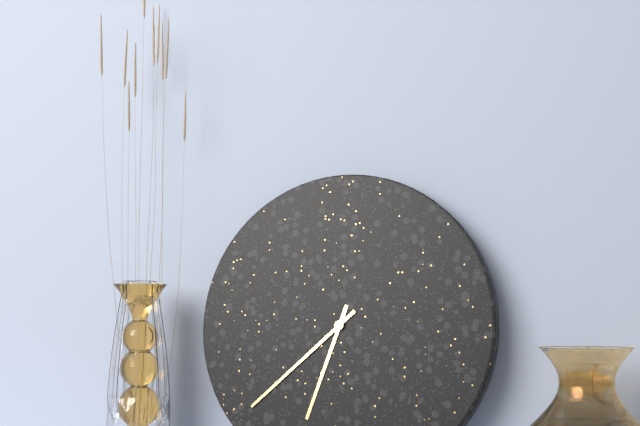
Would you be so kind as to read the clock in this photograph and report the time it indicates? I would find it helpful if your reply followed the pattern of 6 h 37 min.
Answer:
6 h 38 min
